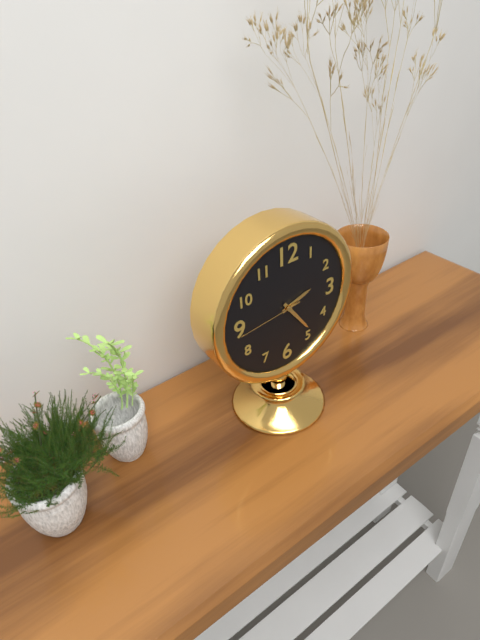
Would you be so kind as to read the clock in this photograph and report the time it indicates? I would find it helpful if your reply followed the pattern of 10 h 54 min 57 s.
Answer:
2 h 24 min 44 s
